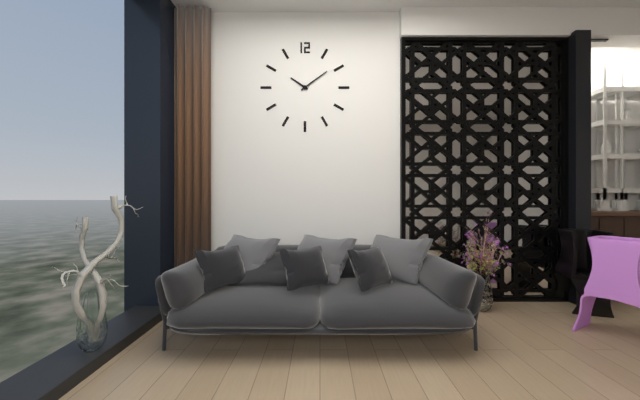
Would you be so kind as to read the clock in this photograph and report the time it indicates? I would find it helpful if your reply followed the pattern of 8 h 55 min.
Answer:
10 h 09 min
